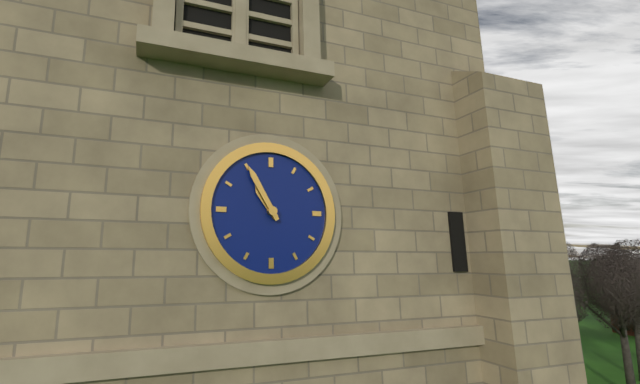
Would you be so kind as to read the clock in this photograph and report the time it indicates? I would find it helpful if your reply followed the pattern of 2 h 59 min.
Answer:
10 h 55 min
